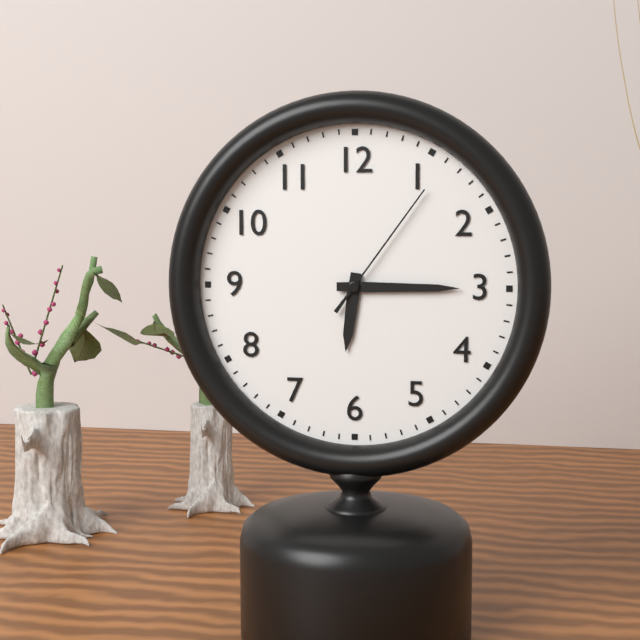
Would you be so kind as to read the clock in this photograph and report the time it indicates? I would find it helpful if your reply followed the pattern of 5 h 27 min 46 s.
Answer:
6 h 15 min 06 s
